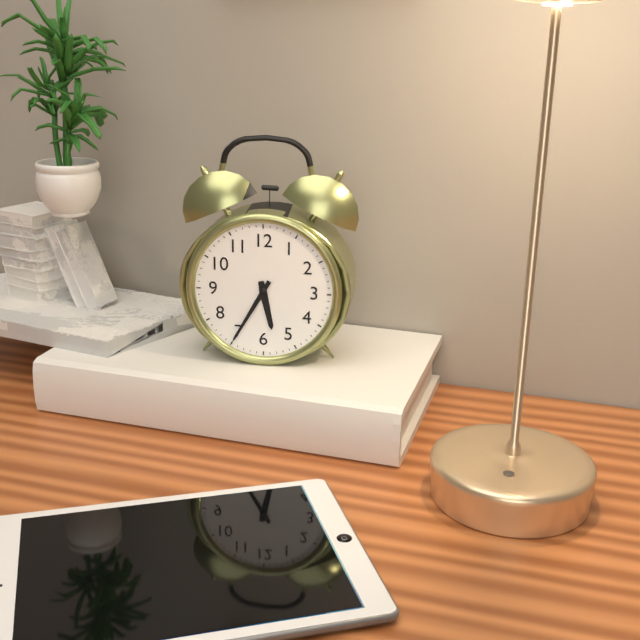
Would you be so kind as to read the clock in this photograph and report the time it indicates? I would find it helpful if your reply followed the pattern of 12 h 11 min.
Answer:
5 h 35 min
